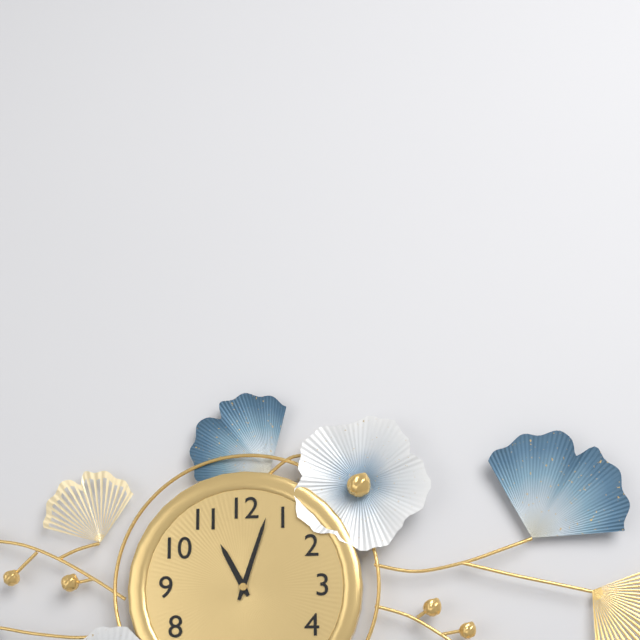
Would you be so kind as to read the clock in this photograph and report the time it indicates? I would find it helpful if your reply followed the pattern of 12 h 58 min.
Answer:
11 h 03 min
